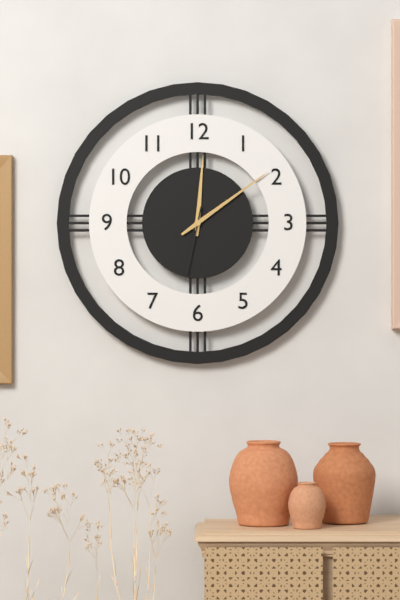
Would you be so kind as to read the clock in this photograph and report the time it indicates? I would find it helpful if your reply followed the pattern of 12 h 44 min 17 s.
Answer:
12 h 09 min 32 s
